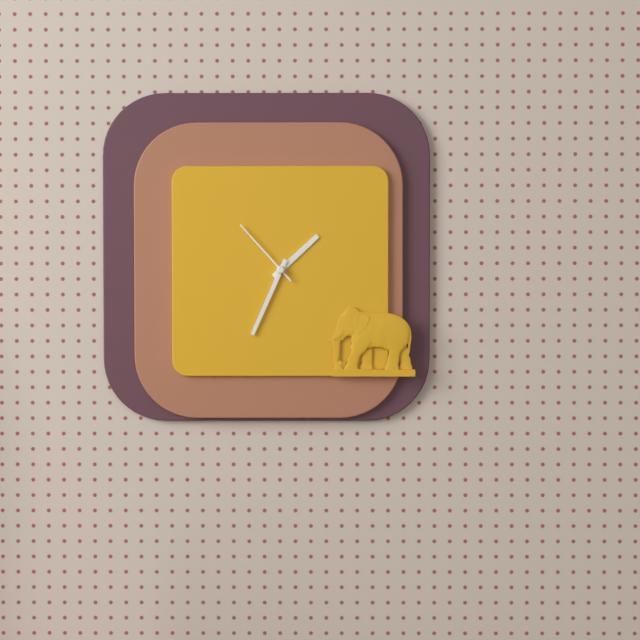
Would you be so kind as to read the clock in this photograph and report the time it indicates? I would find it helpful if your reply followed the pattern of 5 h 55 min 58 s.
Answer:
1 h 34 min 53 s
